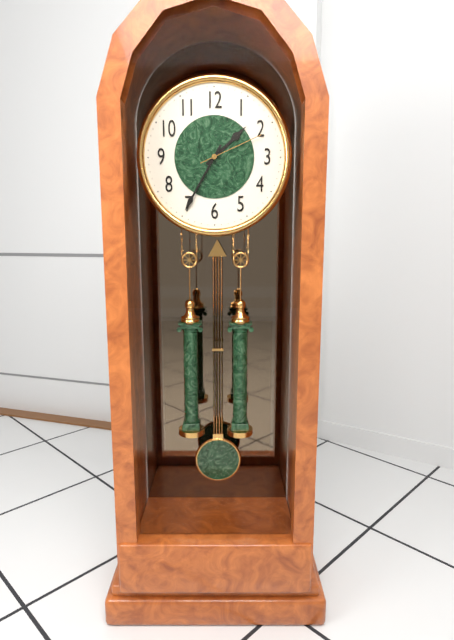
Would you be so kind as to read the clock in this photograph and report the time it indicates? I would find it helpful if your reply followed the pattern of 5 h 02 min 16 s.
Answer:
1 h 35 min 11 s
